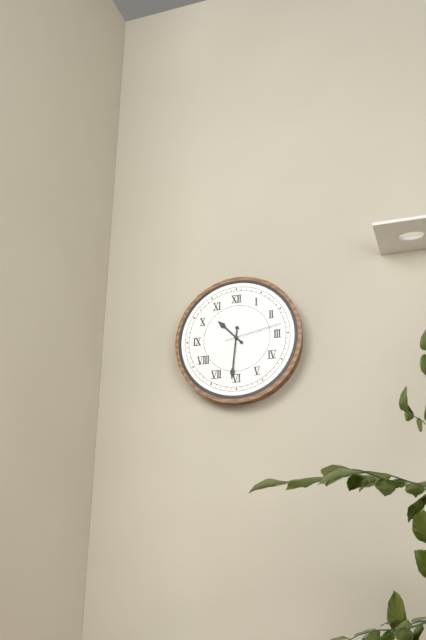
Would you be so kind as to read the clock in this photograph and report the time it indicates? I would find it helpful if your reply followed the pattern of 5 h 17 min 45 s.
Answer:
10 h 31 min 13 s
